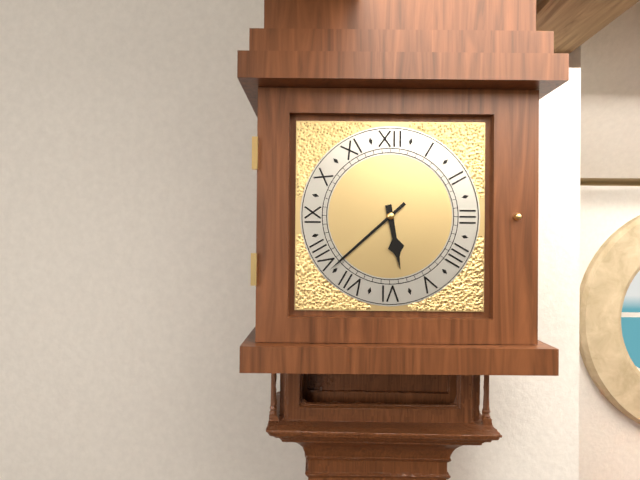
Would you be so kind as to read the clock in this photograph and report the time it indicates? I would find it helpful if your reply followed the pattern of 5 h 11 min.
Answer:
5 h 38 min
